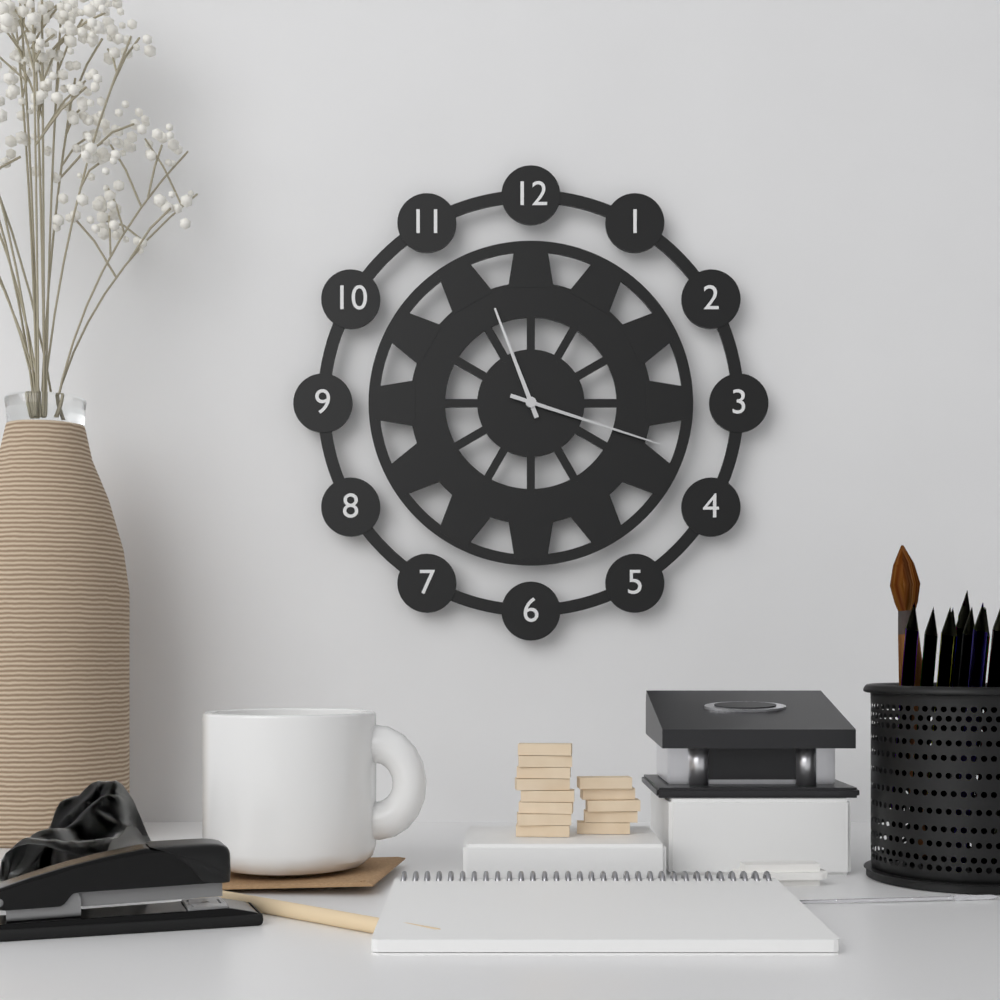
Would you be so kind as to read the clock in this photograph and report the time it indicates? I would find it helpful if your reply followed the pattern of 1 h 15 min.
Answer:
11 h 18 min
